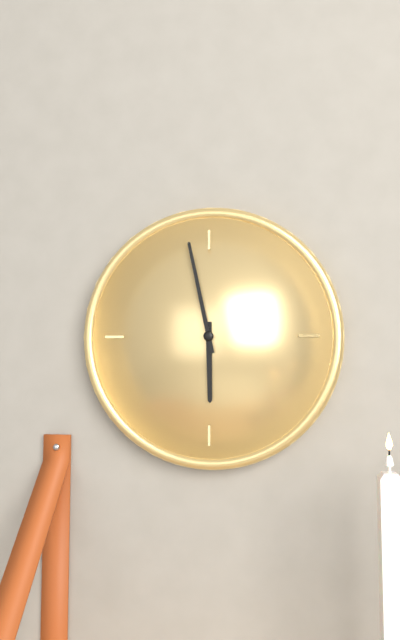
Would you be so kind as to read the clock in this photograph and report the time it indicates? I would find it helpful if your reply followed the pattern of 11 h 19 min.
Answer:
5 h 58 min
